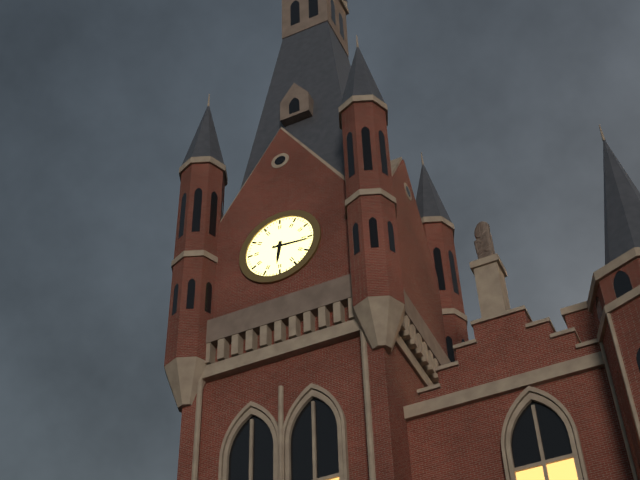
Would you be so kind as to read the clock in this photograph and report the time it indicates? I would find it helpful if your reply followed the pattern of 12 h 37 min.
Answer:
6 h 16 min
